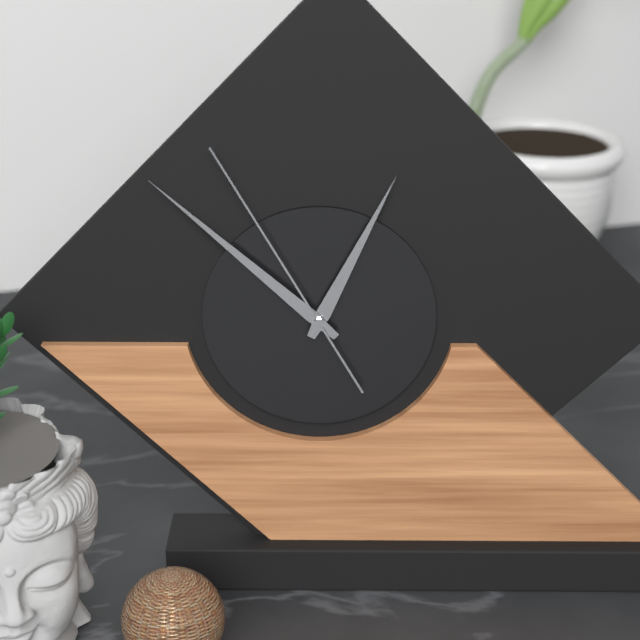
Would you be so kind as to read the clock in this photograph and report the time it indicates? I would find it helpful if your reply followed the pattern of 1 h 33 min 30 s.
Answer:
12 h 52 min 55 s
